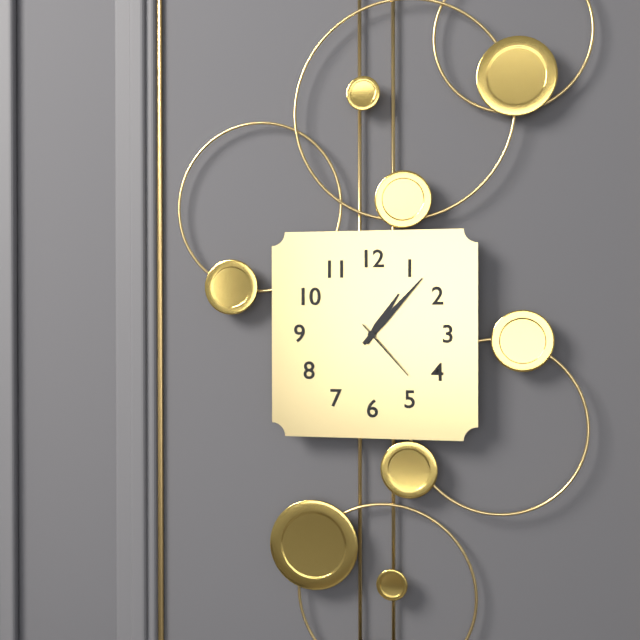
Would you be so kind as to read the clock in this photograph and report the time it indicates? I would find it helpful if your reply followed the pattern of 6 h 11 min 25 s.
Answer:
1 h 07 min 23 s
